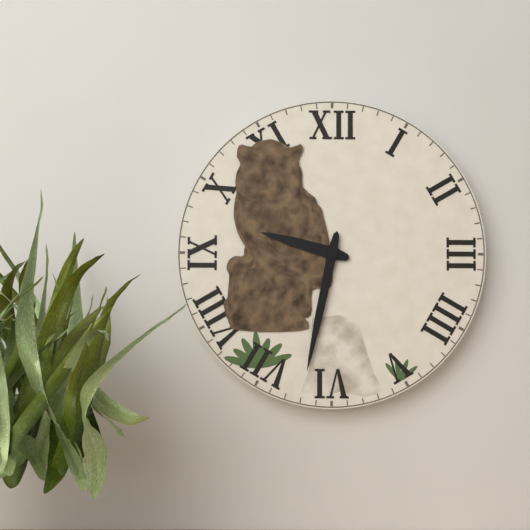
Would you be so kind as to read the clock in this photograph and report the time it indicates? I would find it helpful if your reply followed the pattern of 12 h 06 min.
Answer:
9 h 32 min
